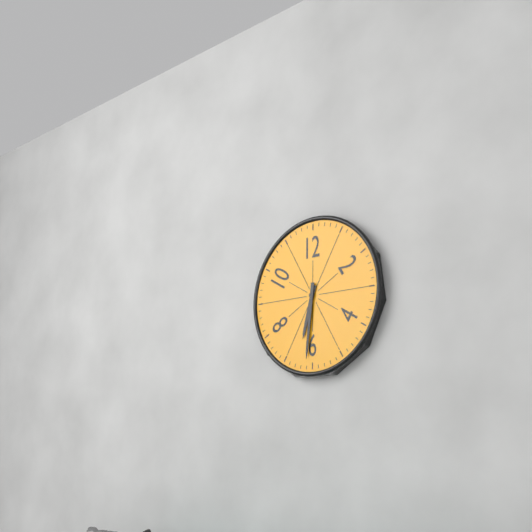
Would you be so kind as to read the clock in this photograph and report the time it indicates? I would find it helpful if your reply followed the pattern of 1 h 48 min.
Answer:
6 h 31 min
